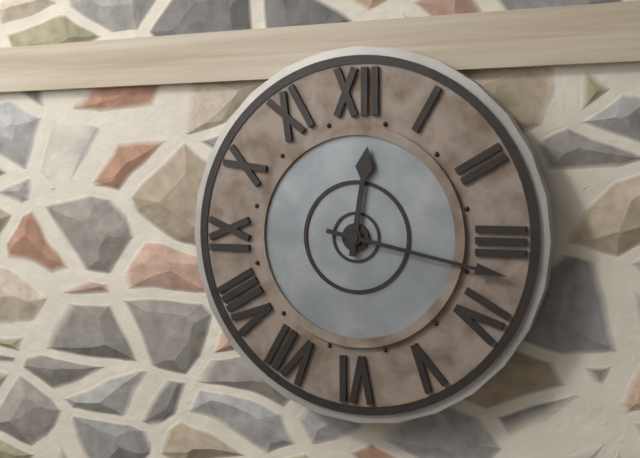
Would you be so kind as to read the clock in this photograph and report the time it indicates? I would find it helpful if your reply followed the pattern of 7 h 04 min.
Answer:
12 h 17 min
